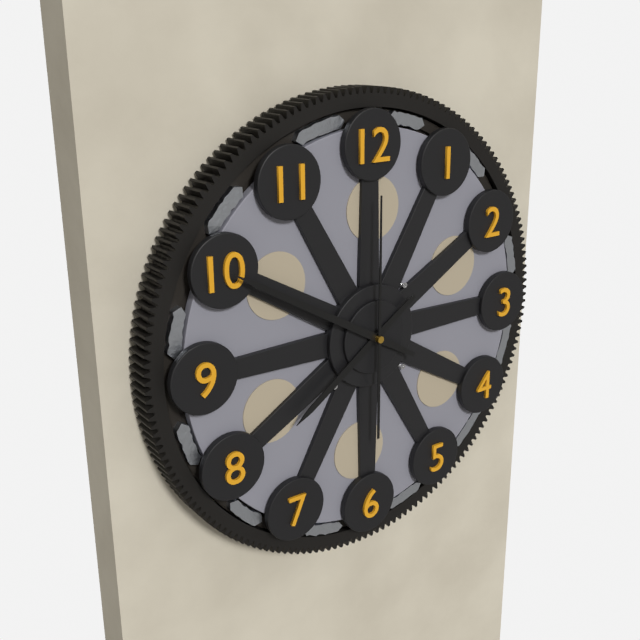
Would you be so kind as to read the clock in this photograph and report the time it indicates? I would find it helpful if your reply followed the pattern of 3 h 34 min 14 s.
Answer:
7 h 50 min 00 s
